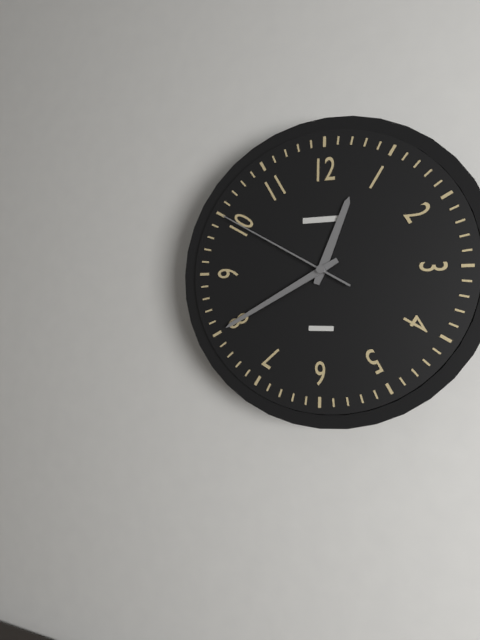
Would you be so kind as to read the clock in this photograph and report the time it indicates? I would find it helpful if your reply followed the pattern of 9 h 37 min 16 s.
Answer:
12 h 40 min 50 s
